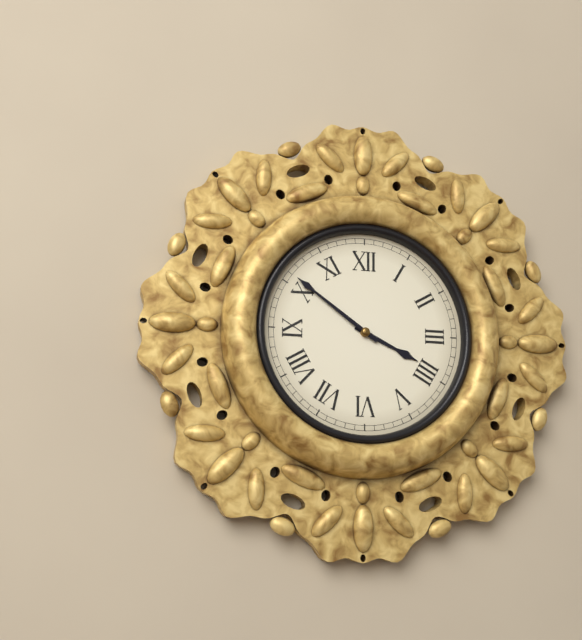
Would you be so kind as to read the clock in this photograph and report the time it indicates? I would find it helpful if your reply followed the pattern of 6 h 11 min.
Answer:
3 h 51 min
